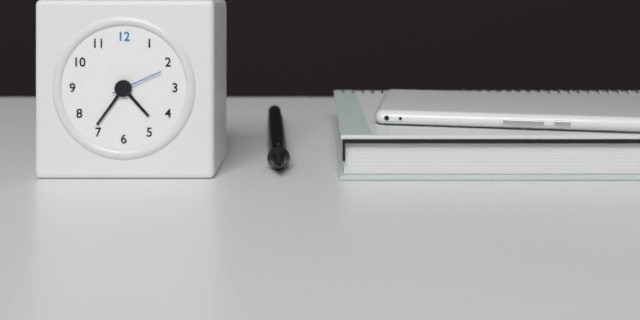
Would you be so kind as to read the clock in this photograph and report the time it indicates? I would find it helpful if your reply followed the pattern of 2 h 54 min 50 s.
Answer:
4 h 36 min 11 s
